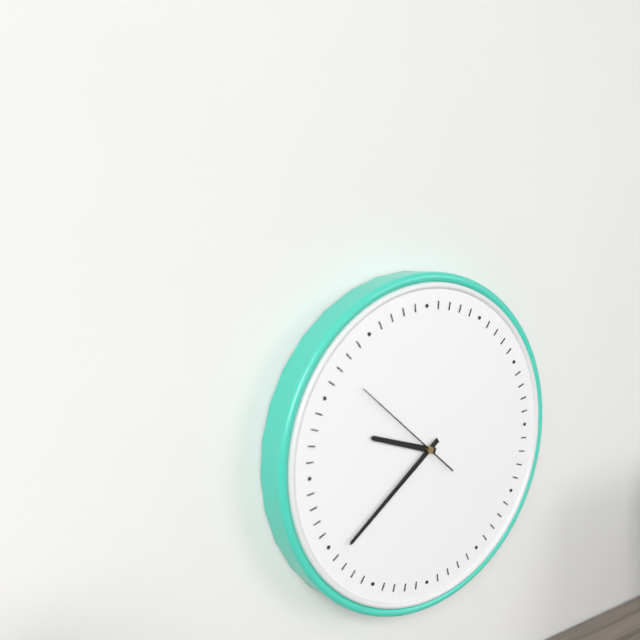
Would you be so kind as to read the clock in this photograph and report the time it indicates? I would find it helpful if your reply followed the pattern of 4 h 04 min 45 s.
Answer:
9 h 39 min 52 s
